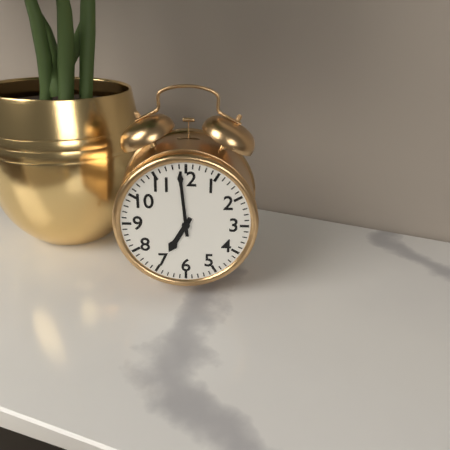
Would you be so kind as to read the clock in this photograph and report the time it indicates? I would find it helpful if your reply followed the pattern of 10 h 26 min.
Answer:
6 h 59 min
